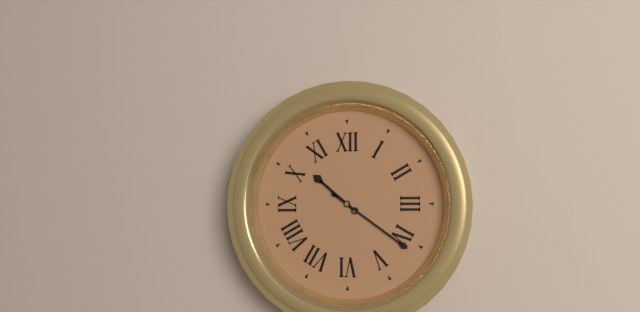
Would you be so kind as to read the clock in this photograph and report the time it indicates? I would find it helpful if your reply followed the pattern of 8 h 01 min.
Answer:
10 h 21 min
